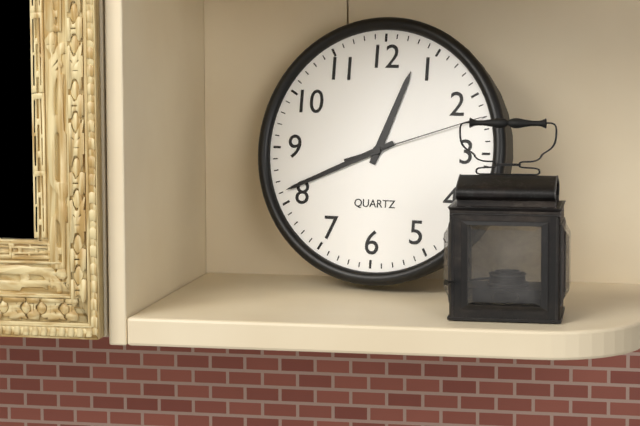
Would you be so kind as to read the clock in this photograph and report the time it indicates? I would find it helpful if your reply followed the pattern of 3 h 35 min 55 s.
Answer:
12 h 41 min 12 s
